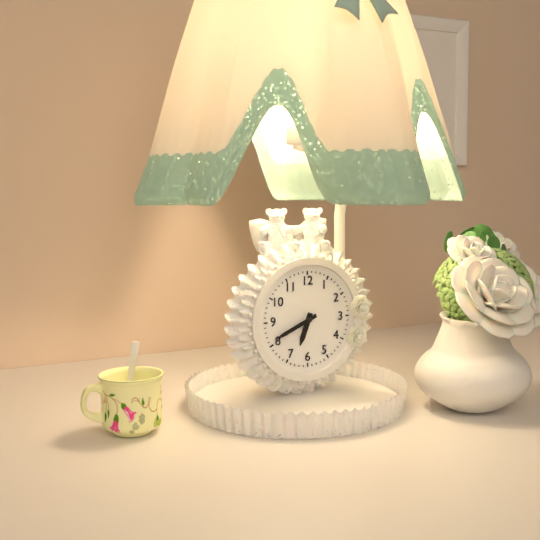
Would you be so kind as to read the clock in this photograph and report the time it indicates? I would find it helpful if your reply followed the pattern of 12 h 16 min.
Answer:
6 h 41 min
